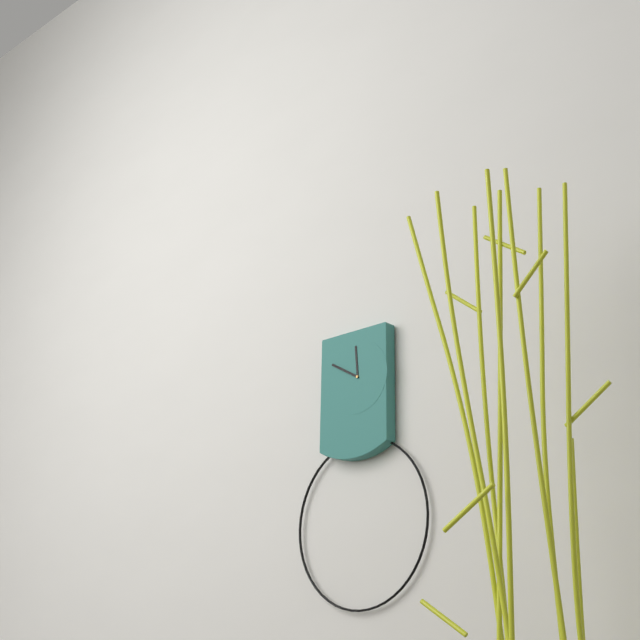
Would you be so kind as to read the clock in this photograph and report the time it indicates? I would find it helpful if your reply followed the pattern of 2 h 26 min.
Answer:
11 h 50 min
